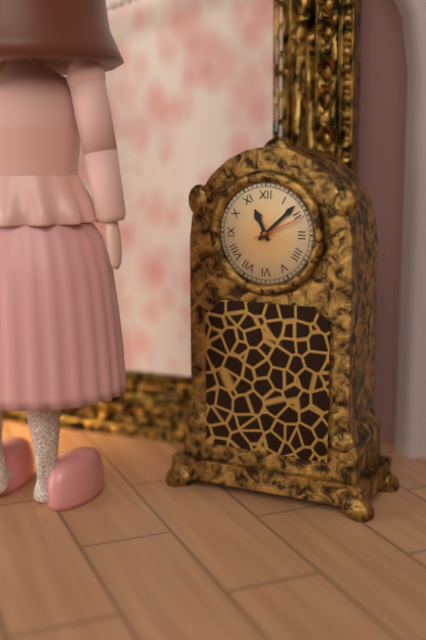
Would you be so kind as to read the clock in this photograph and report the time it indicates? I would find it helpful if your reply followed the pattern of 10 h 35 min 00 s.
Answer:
11 h 08 min 11 s
